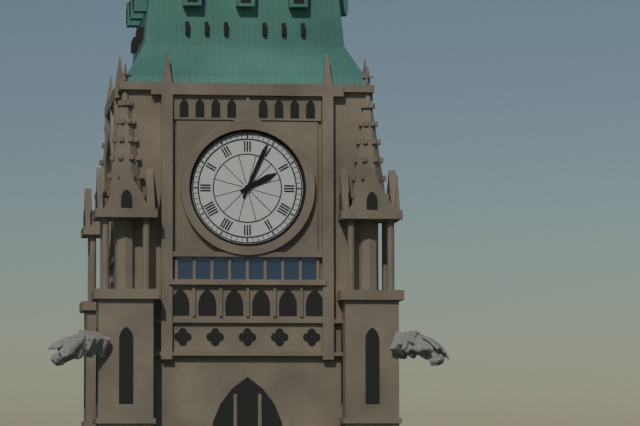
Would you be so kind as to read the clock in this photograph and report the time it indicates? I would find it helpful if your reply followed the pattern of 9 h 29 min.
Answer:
2 h 04 min
